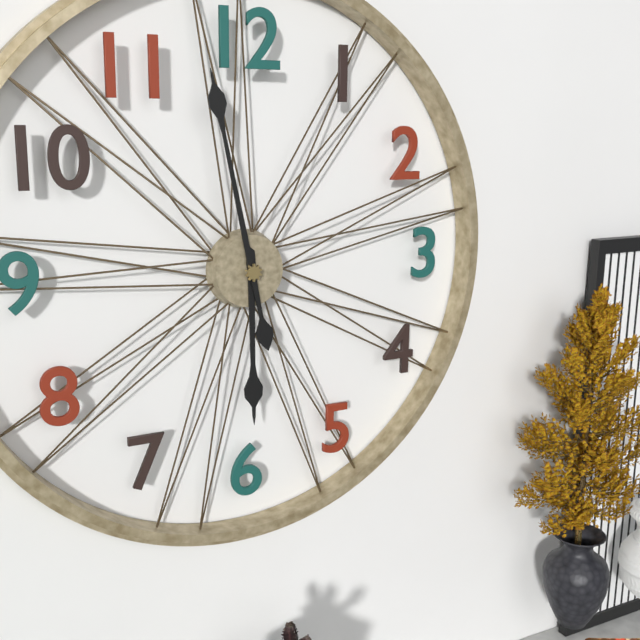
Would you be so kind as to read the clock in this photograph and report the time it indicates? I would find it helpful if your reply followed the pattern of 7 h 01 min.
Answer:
5 h 58 min
